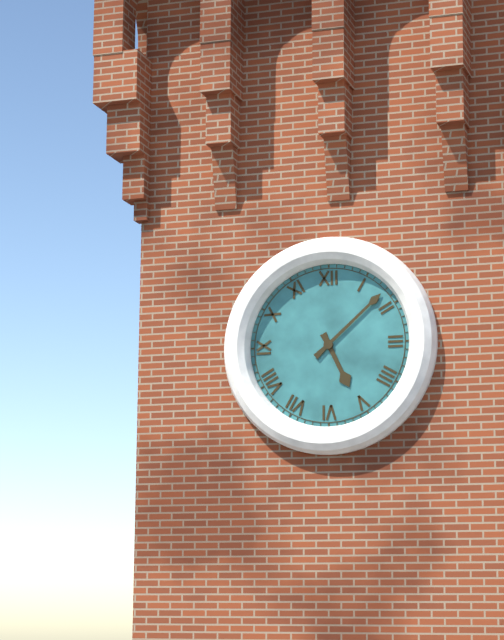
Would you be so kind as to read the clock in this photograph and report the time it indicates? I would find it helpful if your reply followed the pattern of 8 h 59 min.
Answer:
5 h 08 min
